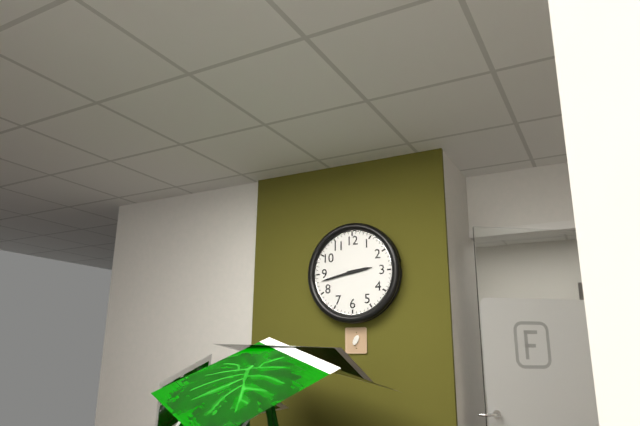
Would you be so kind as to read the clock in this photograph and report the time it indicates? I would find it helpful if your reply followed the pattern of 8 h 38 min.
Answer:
2 h 43 min
